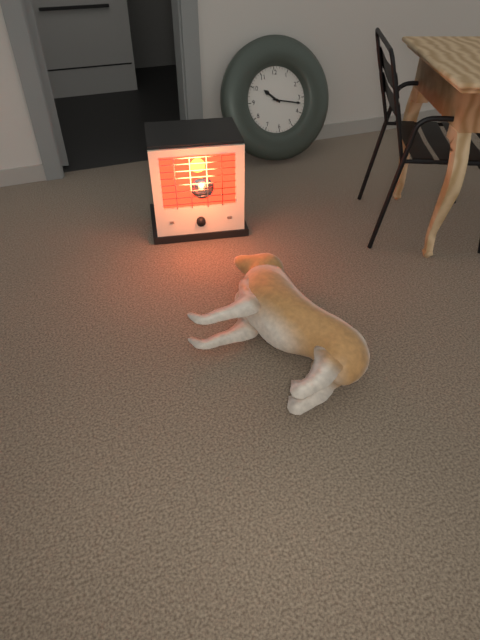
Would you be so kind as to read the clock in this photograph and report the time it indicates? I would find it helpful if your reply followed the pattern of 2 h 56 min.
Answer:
10 h 17 min
